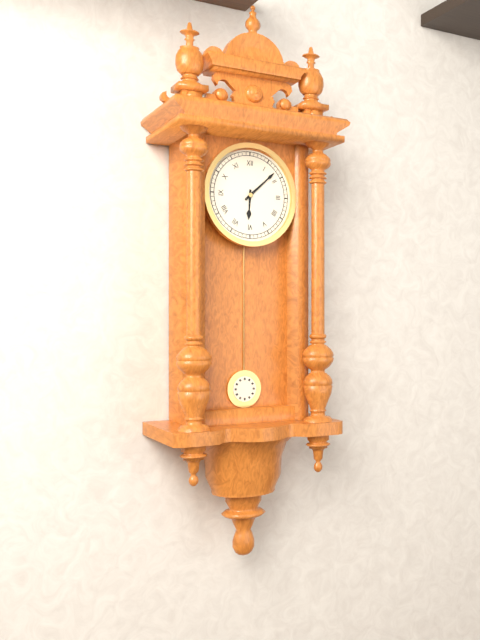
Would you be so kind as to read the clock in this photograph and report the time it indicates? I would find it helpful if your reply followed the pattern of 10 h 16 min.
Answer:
6 h 08 min
